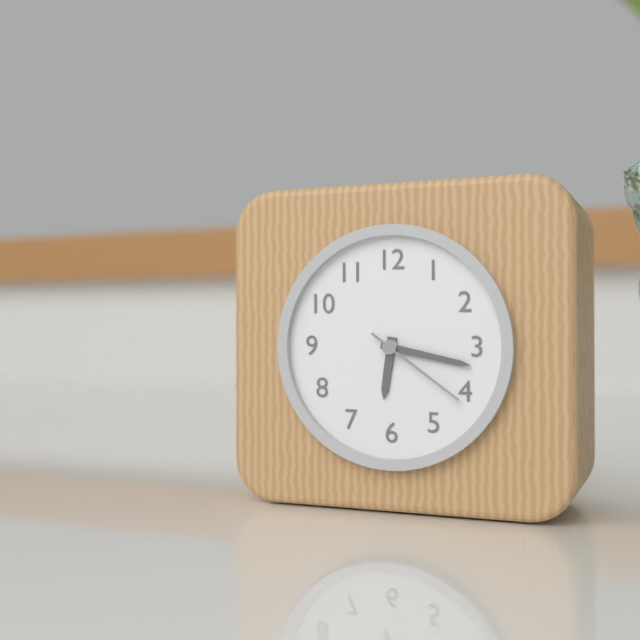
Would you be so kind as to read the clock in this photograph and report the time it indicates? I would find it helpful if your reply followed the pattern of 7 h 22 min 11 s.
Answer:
6 h 17 min 21 s
